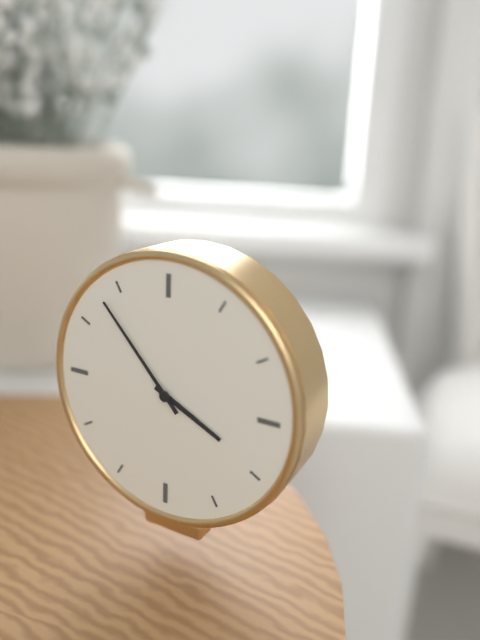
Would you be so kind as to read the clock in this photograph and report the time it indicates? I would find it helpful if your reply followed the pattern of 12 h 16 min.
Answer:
3 h 53 min
